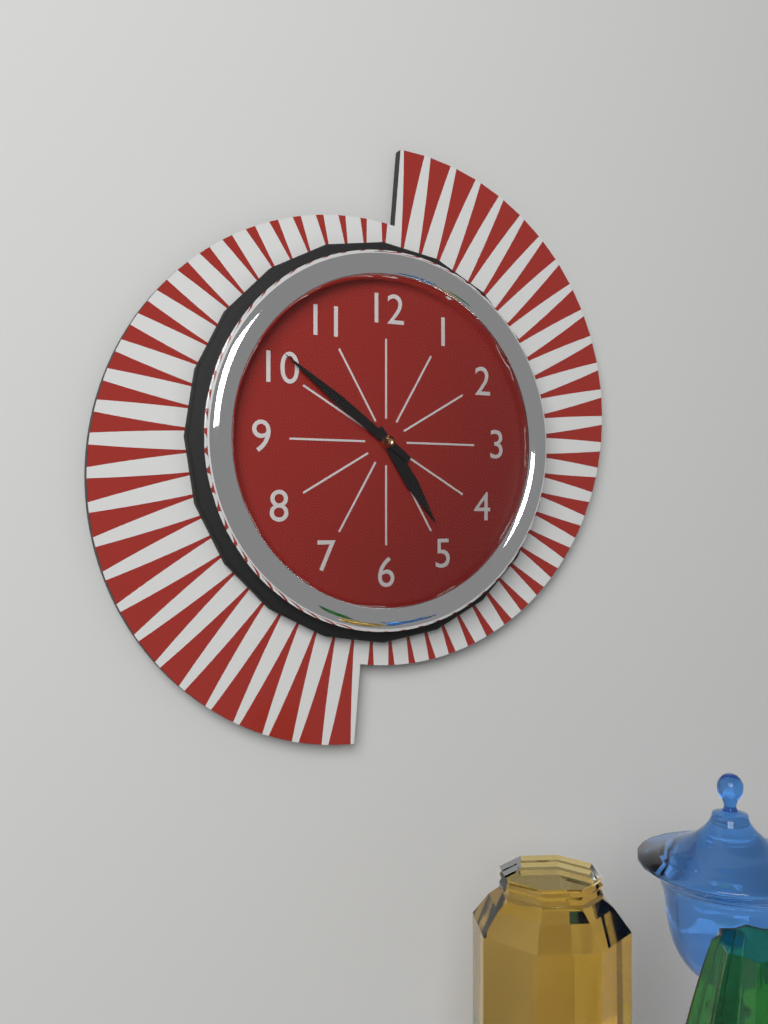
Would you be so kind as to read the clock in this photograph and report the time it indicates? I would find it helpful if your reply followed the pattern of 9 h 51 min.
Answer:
4 h 51 min
